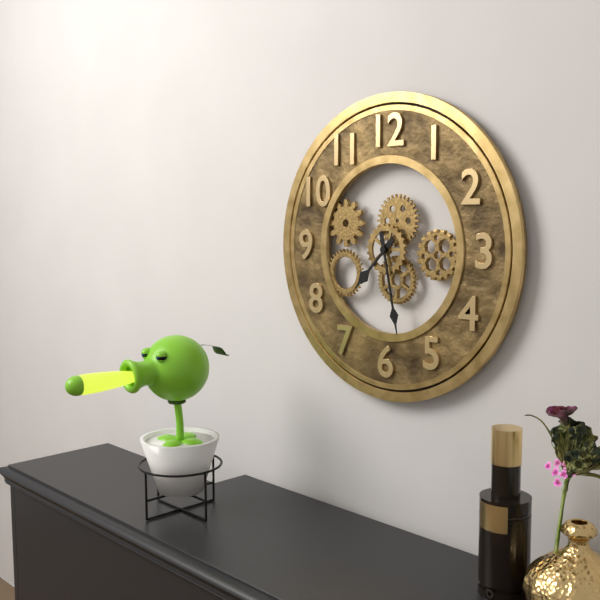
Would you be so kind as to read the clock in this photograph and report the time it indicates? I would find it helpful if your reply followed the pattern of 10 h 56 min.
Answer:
7 h 28 min
